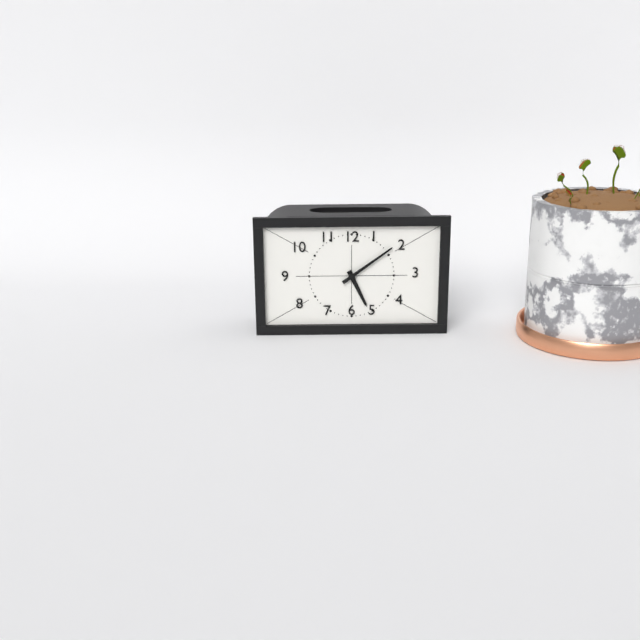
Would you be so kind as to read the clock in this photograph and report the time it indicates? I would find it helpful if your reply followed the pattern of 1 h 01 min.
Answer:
5 h 09 min
